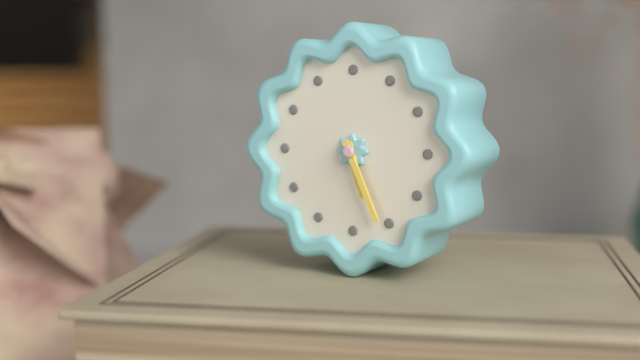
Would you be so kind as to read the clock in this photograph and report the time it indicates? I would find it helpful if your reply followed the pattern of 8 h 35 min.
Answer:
5 h 26 min
